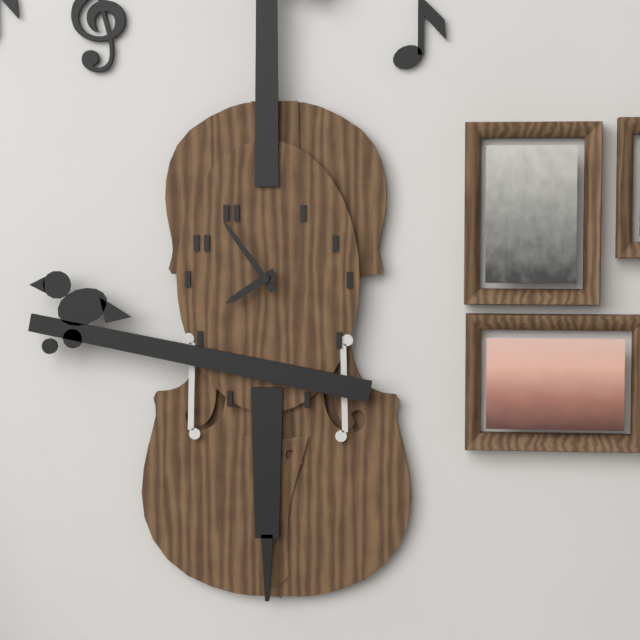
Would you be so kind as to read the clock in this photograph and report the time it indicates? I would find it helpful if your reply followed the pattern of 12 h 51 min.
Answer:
7 h 54 min
